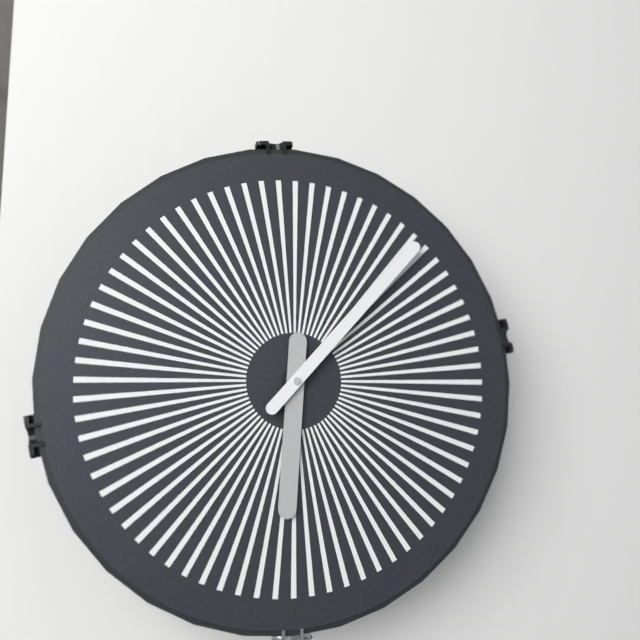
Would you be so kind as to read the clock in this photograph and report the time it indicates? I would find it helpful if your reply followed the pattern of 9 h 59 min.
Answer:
6 h 07 min
